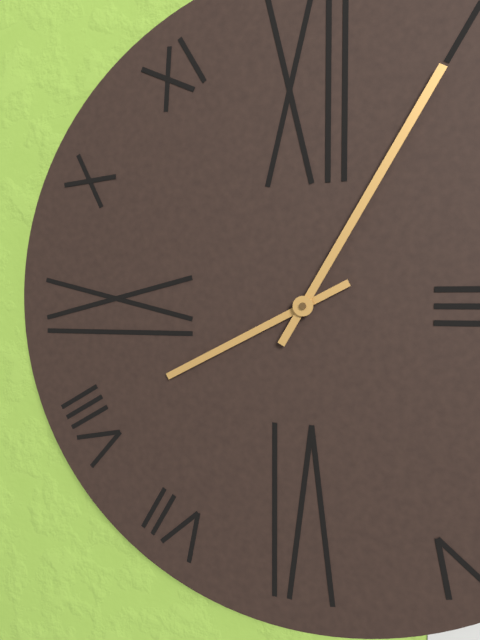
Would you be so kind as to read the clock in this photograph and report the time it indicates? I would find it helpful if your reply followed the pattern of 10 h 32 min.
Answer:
8 h 05 min
